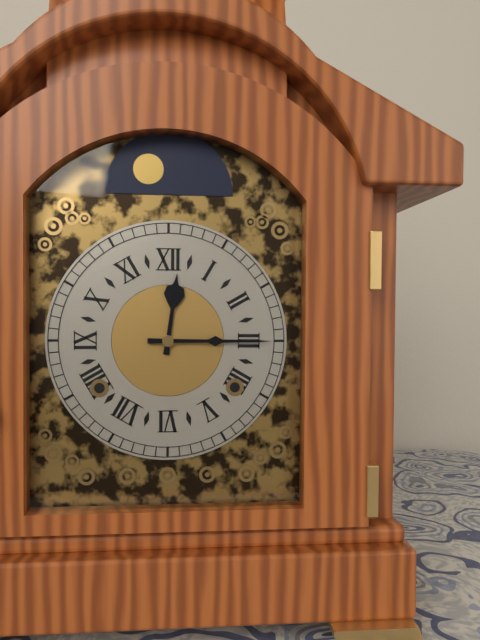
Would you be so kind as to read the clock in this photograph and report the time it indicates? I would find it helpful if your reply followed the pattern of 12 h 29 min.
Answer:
12 h 15 min
